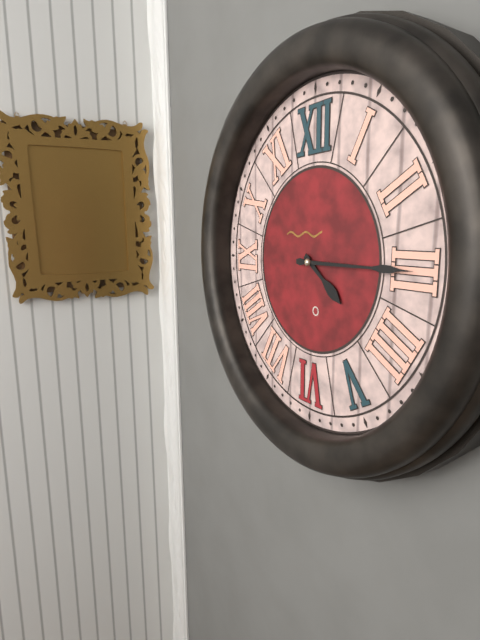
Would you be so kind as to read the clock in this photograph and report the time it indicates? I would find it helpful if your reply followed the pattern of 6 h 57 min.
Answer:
4 h 15 min
